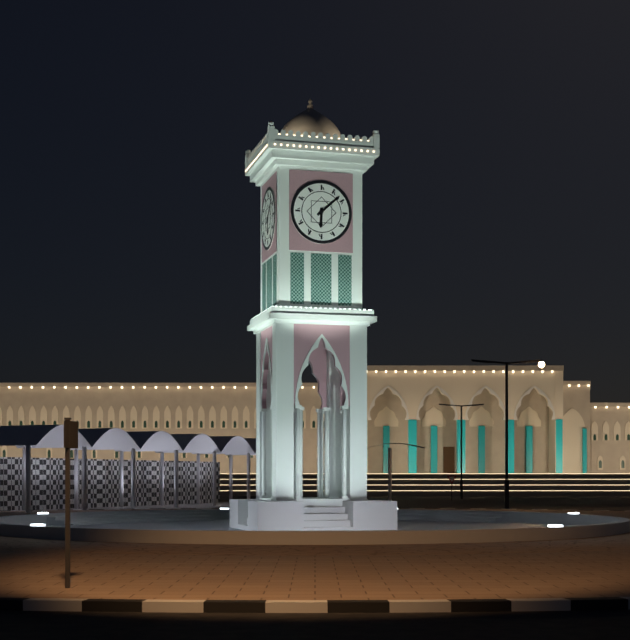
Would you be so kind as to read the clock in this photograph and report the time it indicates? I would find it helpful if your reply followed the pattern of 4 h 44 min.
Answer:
6 h 08 min
